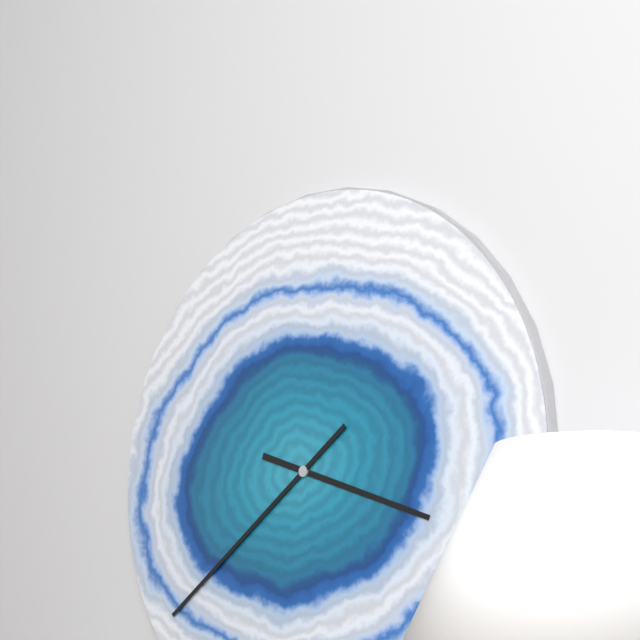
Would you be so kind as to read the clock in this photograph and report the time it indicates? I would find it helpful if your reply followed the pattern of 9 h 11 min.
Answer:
3 h 39 min
